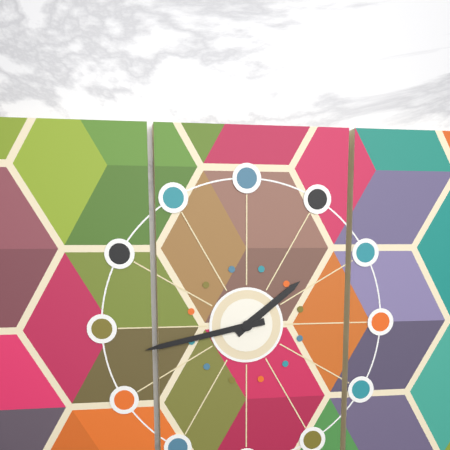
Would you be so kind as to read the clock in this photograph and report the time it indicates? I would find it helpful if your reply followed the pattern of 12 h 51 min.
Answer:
1 h 43 min
